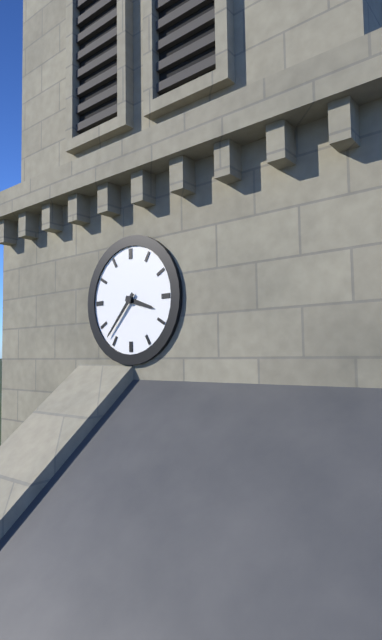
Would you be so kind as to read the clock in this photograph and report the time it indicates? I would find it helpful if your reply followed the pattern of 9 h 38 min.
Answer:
3 h 37 min
